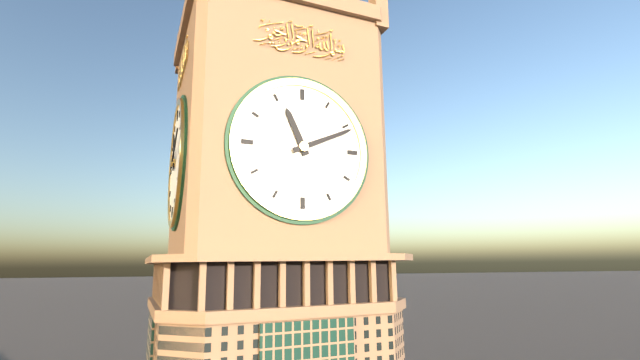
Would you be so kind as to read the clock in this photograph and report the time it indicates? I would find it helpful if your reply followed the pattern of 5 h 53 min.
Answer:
11 h 11 min
